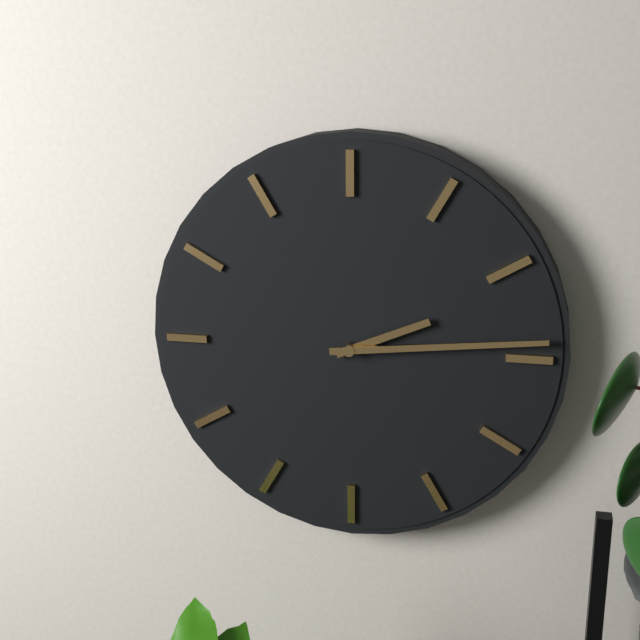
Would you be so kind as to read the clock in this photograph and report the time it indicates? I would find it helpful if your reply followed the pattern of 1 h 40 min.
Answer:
2 h 14 min
